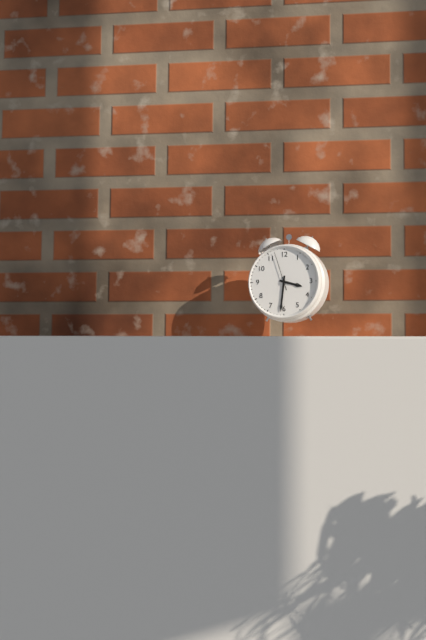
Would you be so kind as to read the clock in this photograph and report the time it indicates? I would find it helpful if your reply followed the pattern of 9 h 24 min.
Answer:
3 h 31 min
